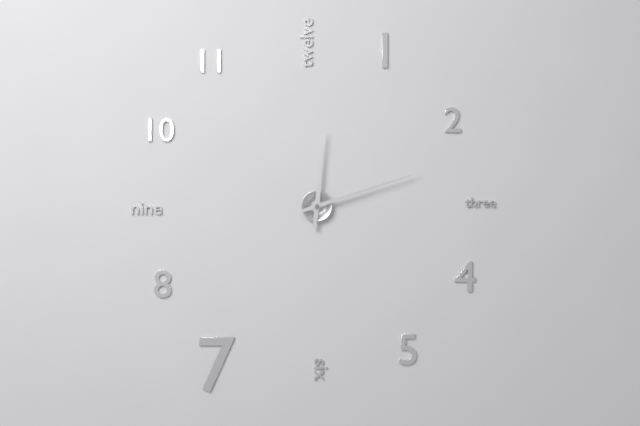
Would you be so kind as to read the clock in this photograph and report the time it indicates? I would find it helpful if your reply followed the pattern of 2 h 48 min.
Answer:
12 h 12 min
